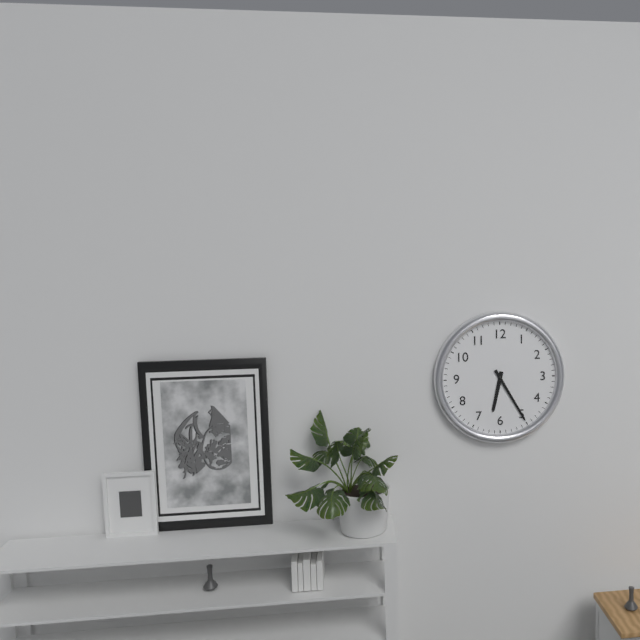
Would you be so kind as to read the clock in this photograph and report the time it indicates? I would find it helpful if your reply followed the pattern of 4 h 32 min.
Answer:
6 h 25 min
